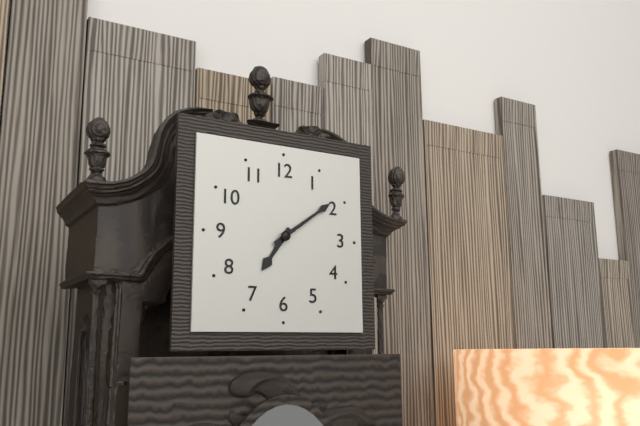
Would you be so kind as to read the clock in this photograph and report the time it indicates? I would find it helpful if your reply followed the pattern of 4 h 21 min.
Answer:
7 h 09 min
